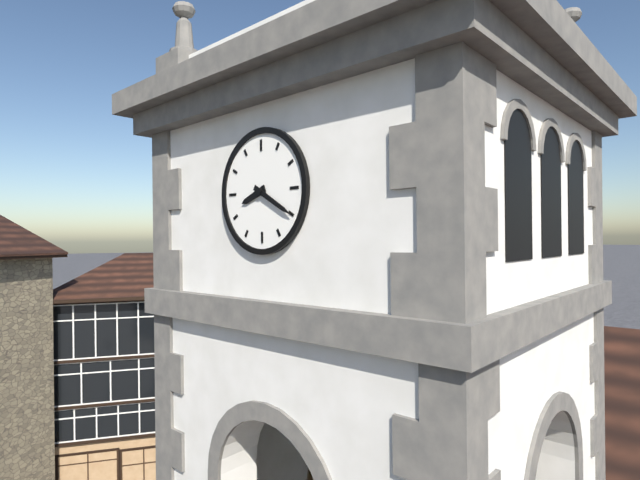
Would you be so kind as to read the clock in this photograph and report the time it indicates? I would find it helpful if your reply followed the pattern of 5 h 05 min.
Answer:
8 h 20 min
